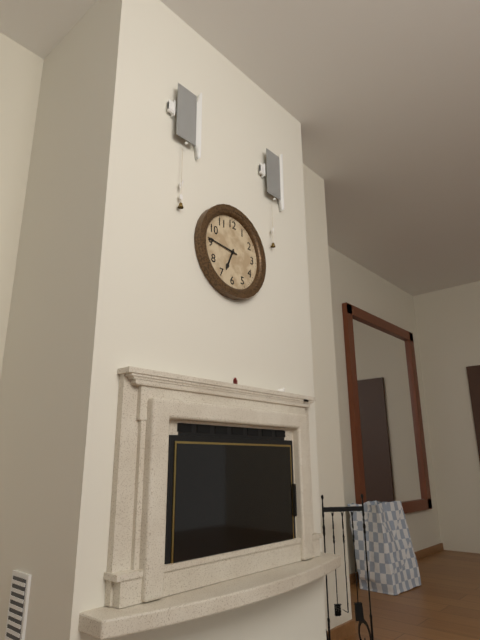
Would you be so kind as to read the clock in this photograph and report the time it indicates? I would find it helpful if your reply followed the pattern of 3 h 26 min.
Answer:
6 h 46 min
